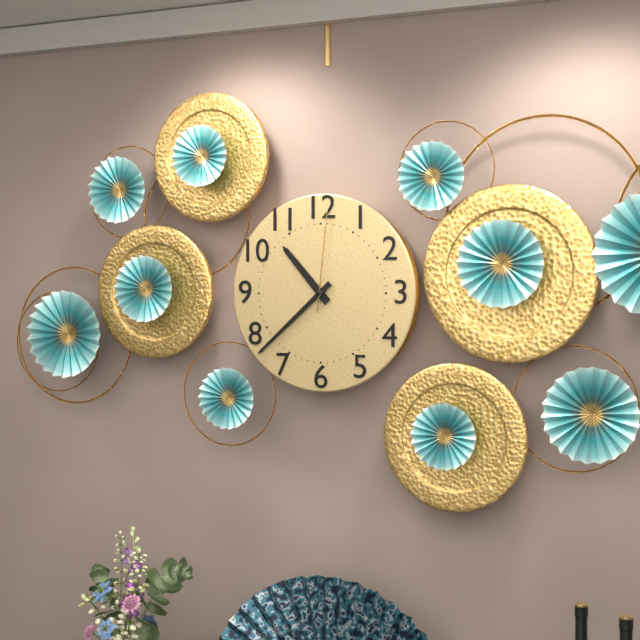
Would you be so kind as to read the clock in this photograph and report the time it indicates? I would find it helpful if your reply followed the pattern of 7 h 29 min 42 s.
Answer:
10 h 38 min 01 s
